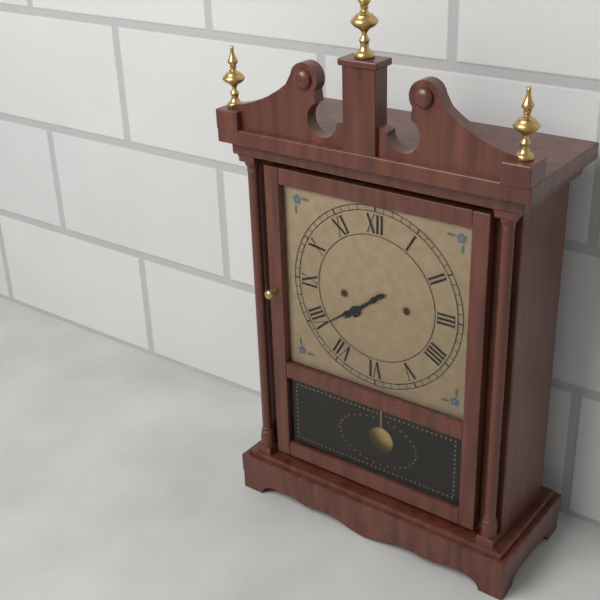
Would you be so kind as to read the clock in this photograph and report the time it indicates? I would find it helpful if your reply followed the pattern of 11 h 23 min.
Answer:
7 h 39 min
